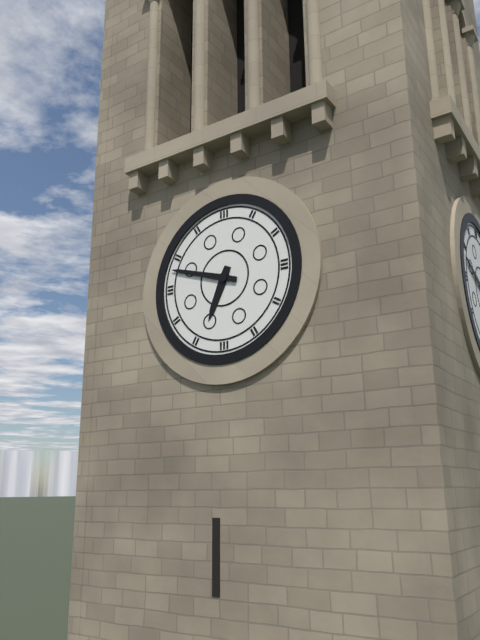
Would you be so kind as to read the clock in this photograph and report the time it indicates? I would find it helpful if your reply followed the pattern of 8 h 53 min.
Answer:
6 h 48 min
